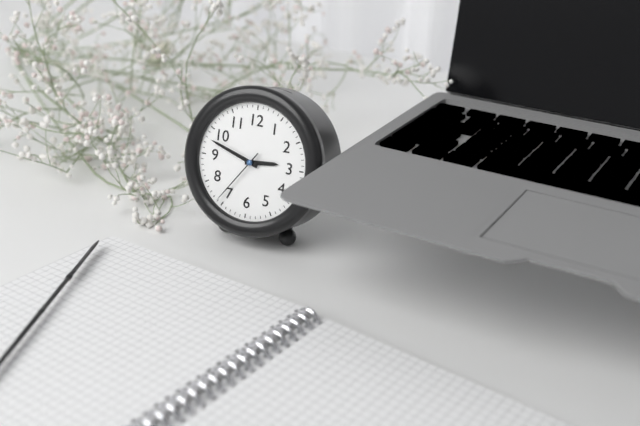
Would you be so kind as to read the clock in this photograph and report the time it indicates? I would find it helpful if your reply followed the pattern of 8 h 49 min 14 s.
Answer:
2 h 48 min 36 s
